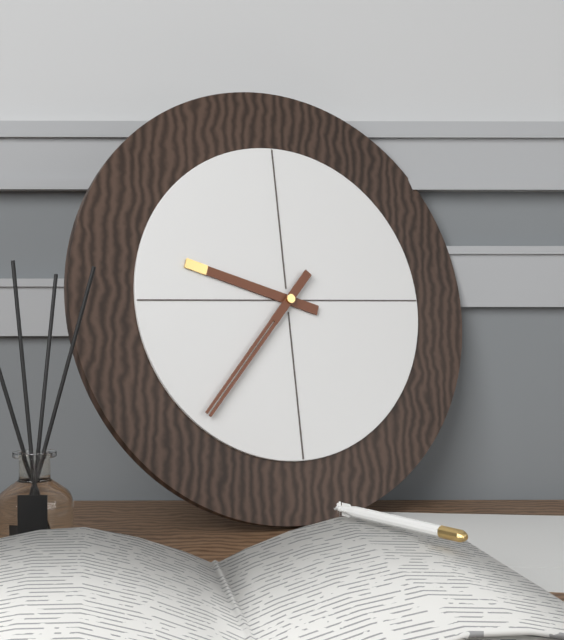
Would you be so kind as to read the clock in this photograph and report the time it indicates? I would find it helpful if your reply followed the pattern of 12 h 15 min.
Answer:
9 h 37 min
